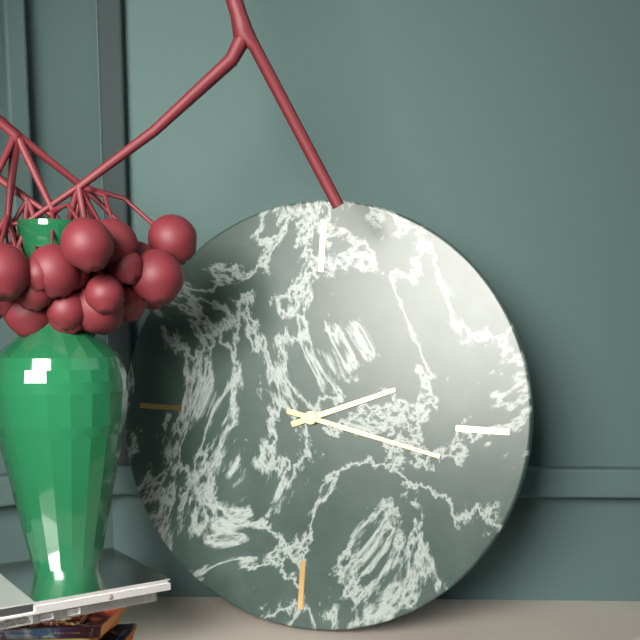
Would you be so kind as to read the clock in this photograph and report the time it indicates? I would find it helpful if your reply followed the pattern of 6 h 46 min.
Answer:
2 h 17 min
